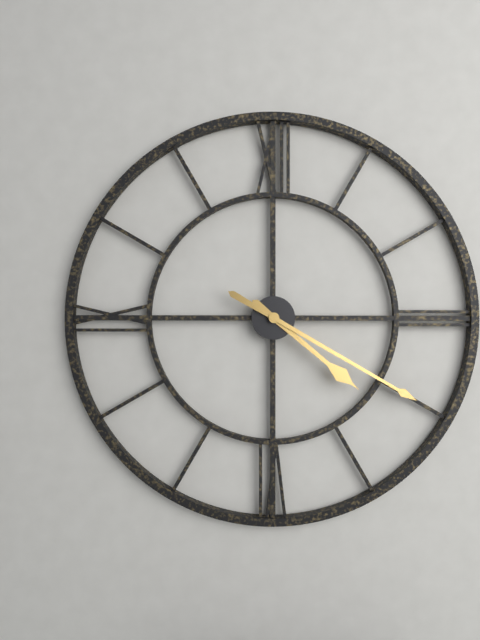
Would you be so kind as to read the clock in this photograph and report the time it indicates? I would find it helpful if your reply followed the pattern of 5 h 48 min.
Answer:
4 h 20 min
